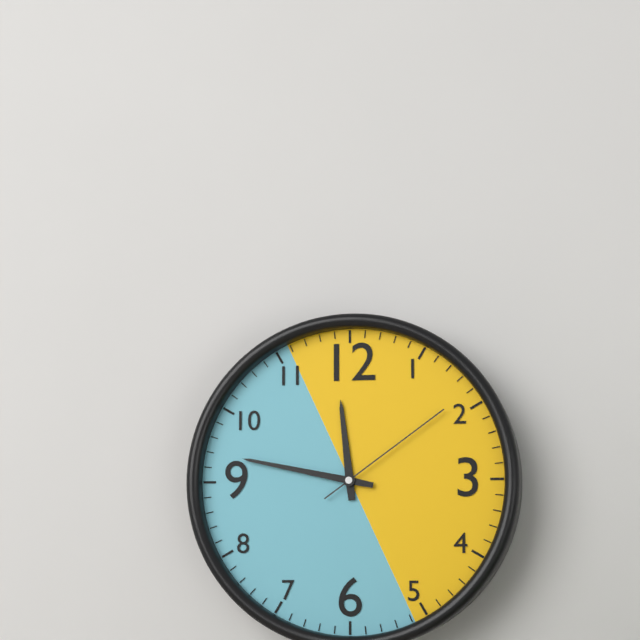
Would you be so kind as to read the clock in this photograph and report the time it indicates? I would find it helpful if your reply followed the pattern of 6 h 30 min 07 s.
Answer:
11 h 47 min 09 s
